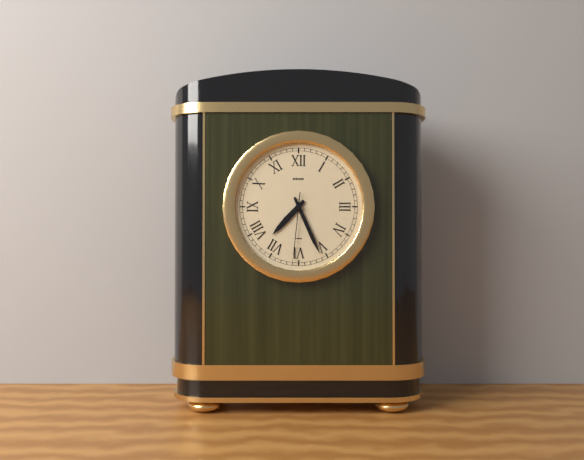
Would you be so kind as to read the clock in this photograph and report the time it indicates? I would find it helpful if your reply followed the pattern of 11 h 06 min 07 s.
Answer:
7 h 26 min 31 s
